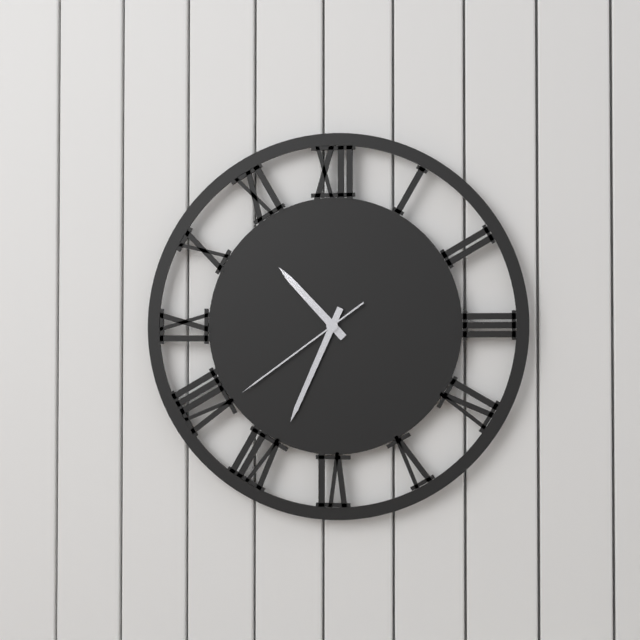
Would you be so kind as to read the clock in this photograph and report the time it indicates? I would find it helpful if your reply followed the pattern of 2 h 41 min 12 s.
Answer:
10 h 34 min 39 s
